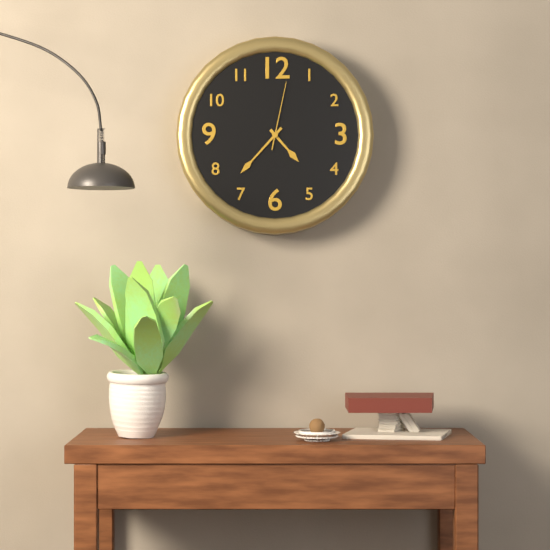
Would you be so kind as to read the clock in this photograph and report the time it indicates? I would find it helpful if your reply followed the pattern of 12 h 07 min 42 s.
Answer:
4 h 37 min 02 s
